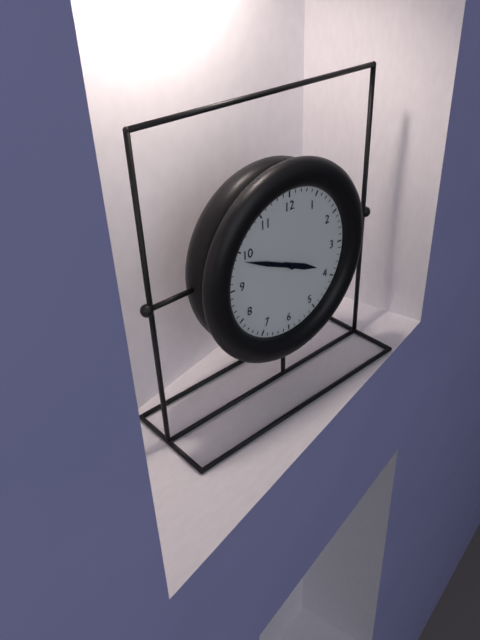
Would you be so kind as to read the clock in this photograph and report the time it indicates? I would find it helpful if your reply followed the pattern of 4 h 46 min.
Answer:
3 h 49 min
